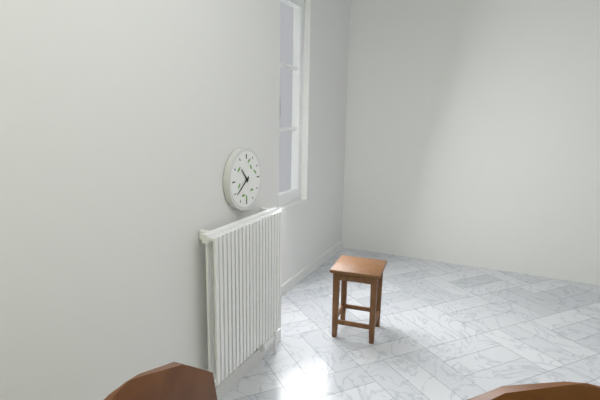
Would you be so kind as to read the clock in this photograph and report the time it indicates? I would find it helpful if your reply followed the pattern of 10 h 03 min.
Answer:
10 h 39 min
